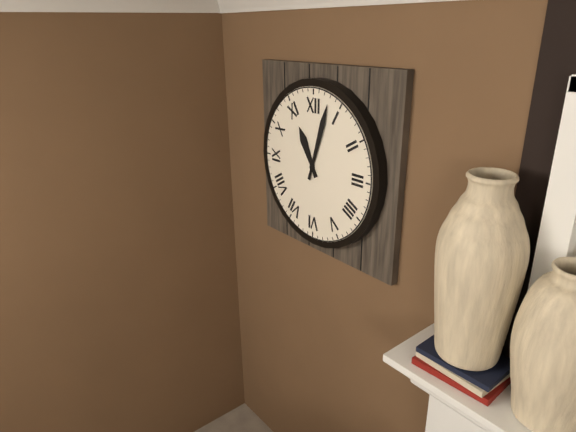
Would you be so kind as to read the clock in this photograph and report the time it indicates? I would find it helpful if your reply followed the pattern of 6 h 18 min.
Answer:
11 h 03 min
